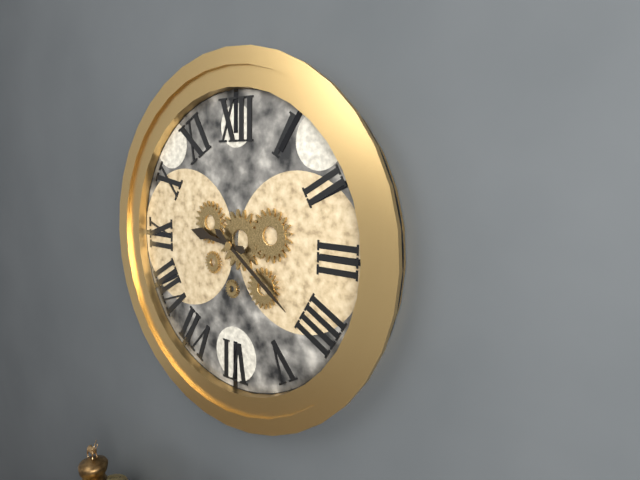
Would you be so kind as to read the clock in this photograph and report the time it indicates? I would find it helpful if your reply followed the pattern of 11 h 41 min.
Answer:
9 h 21 min
